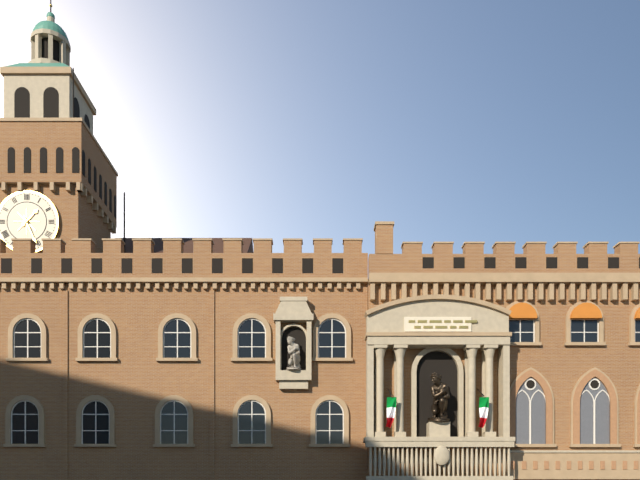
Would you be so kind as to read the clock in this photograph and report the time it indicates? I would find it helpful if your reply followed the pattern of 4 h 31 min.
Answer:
1 h 26 min
